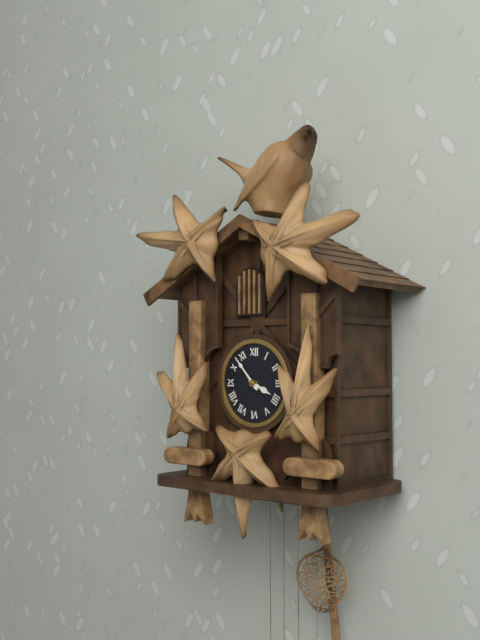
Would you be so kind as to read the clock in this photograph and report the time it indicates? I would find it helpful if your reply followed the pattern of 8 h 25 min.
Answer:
3 h 53 min
